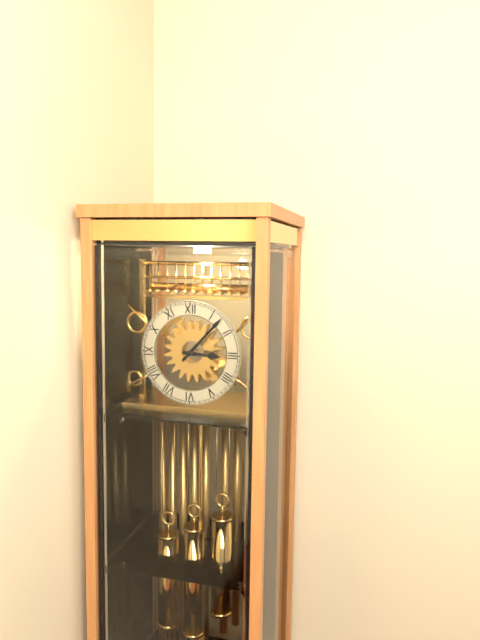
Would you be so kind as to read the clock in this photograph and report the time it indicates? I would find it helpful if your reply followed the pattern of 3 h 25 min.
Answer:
3 h 07 min
